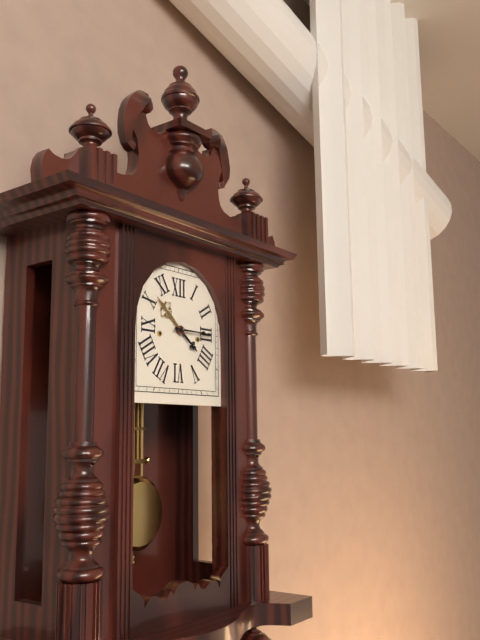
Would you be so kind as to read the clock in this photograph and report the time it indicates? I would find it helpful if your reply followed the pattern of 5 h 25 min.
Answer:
4 h 15 min
